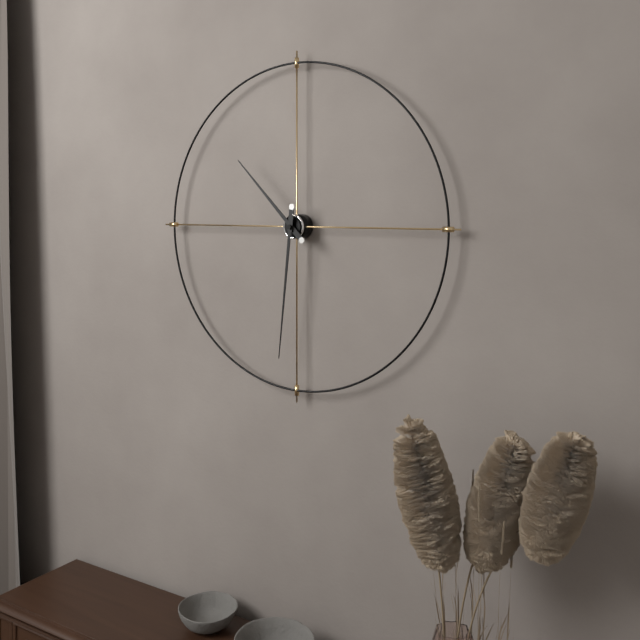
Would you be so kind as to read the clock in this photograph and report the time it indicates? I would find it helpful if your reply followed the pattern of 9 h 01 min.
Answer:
10 h 31 min
